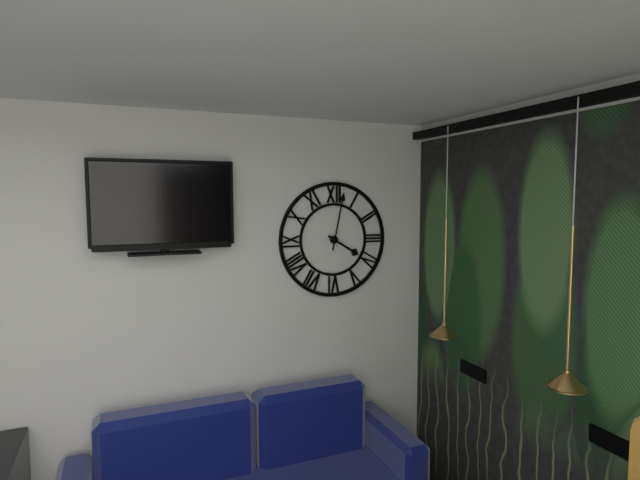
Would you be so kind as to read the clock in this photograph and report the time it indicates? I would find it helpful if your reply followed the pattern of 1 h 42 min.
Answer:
4 h 02 min
